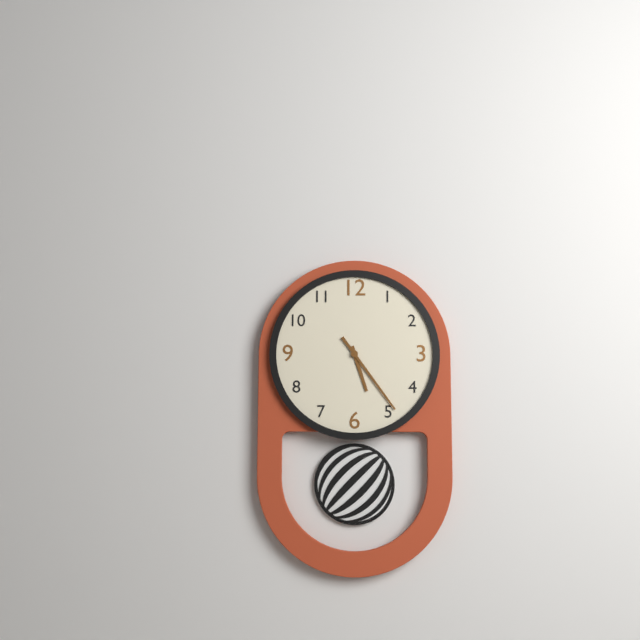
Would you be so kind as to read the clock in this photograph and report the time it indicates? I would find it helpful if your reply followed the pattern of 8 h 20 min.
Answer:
5 h 24 min
